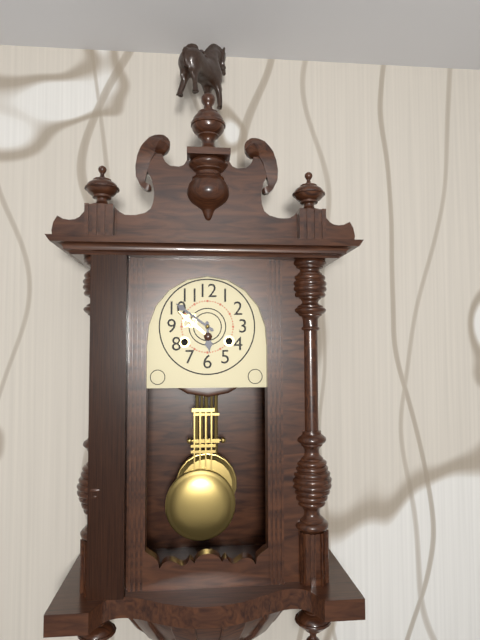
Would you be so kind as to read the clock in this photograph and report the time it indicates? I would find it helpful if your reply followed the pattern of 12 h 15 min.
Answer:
5 h 51 min
